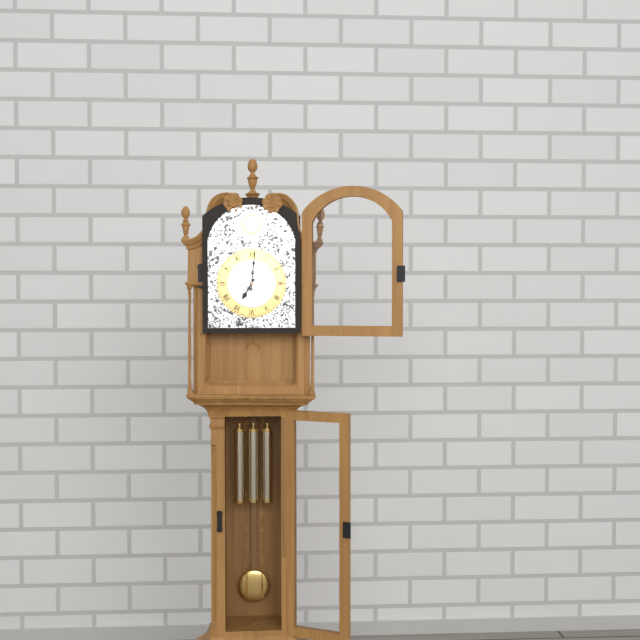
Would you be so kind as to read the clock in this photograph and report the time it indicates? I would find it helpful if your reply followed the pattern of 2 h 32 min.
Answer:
7 h 01 min
